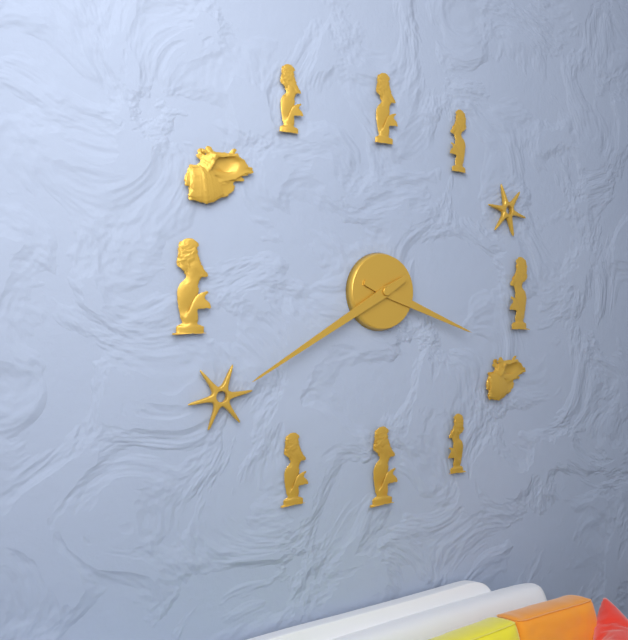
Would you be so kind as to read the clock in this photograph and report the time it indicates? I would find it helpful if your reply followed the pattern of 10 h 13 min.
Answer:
3 h 40 min
